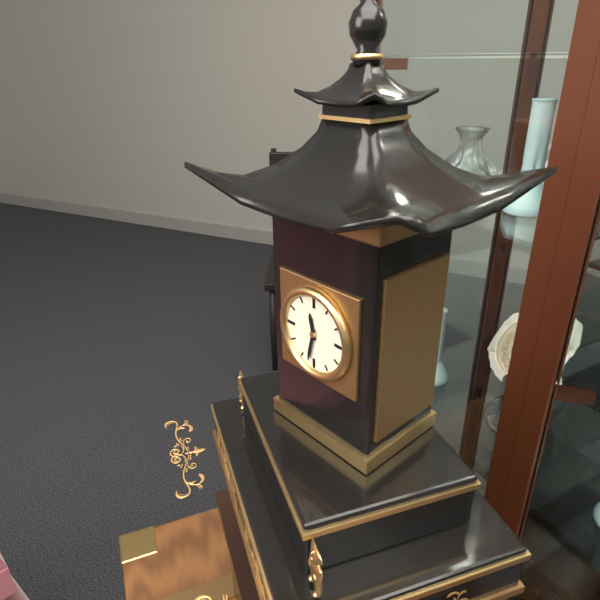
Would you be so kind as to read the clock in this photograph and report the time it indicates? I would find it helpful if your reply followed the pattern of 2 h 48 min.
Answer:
11 h 32 min
